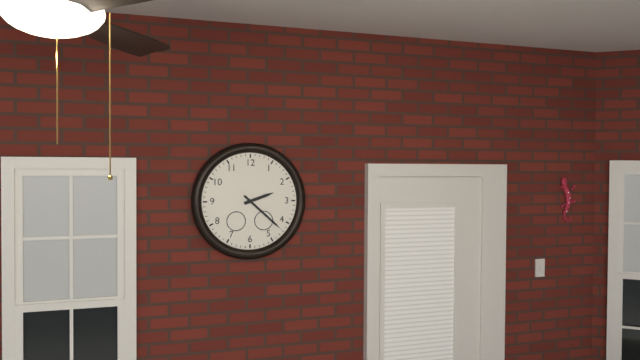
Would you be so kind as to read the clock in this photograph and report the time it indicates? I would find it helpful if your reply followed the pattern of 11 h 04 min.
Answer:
2 h 22 min
